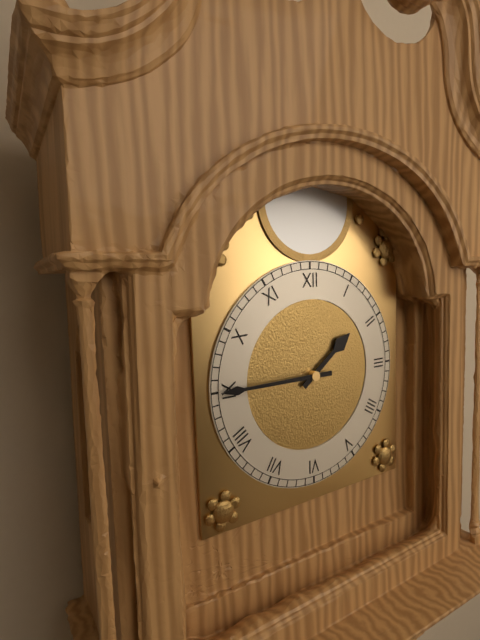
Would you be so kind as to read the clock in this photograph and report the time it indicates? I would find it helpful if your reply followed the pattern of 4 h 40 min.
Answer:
1 h 45 min
